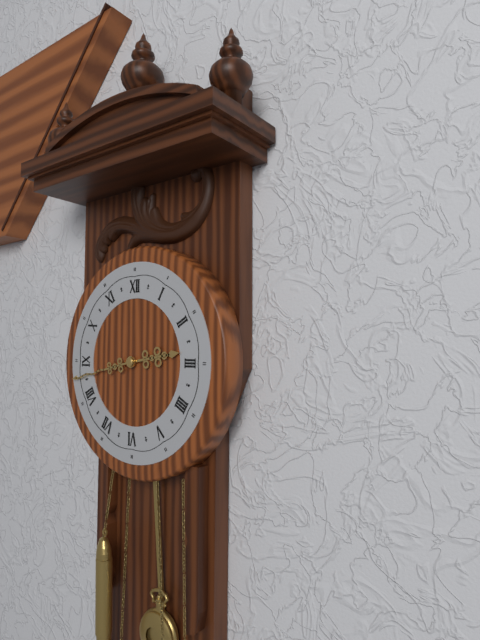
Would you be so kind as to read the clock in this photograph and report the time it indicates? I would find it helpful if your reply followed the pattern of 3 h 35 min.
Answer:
2 h 43 min
